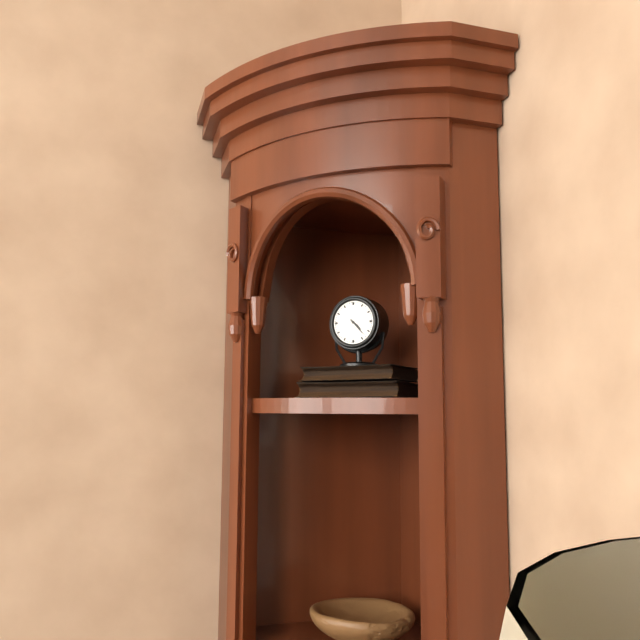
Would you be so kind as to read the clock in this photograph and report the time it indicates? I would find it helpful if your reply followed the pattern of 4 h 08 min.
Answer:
4 h 23 min
